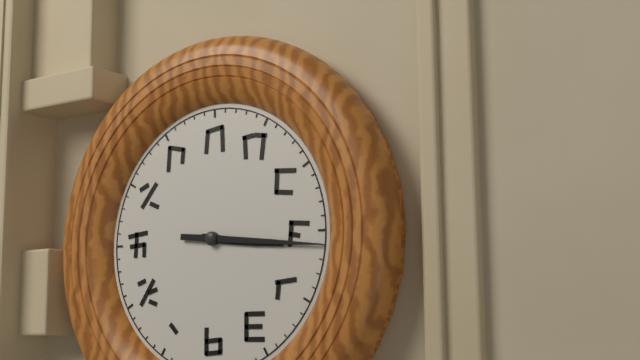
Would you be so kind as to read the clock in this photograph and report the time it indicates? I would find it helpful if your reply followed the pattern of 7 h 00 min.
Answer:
3 h 16 min
